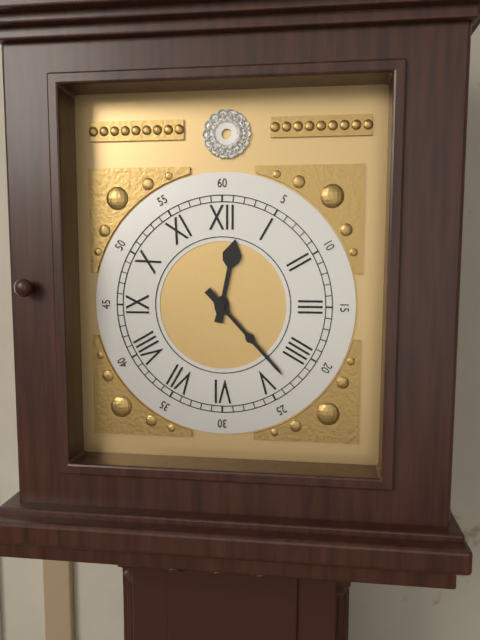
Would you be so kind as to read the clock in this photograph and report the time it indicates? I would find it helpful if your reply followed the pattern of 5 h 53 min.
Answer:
12 h 23 min
